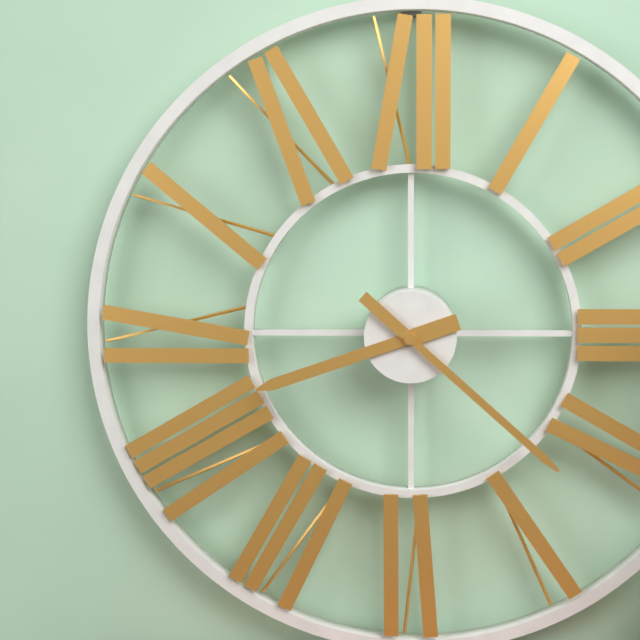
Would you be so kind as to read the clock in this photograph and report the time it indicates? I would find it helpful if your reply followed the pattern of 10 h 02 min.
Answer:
8 h 22 min
